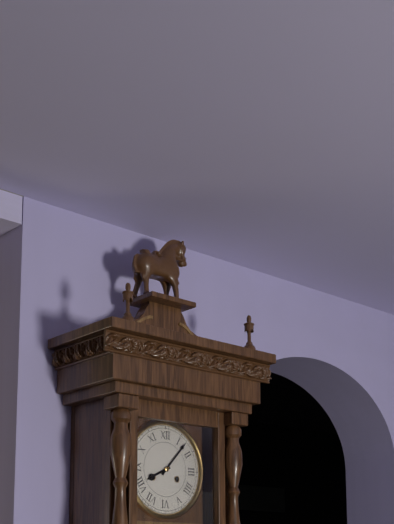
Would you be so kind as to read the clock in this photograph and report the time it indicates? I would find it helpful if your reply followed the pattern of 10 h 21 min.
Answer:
8 h 07 min
